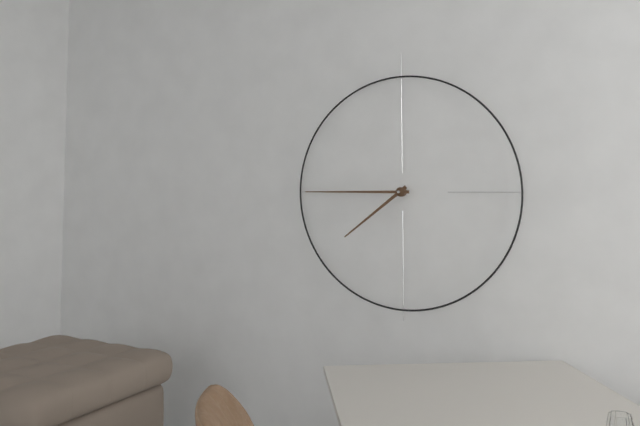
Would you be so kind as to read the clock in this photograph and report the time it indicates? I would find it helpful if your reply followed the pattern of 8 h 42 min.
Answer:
7 h 45 min
